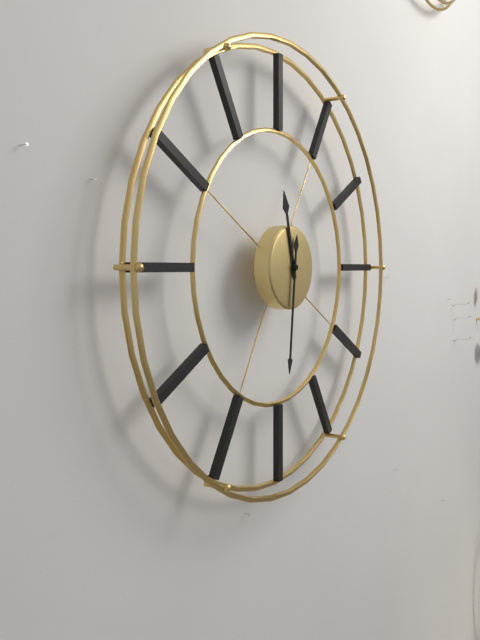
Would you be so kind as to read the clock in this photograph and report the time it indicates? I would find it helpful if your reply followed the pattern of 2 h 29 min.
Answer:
11 h 31 min
